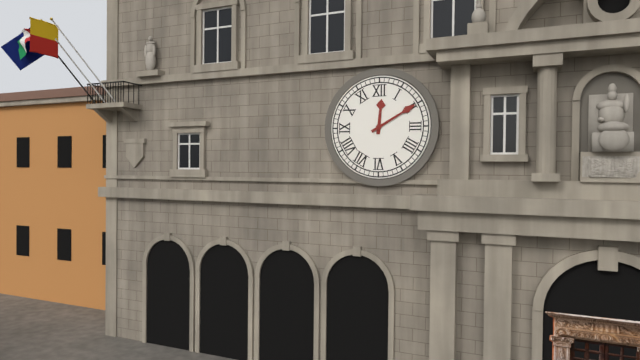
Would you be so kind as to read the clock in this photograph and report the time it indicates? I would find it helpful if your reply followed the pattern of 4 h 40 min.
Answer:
12 h 10 min
